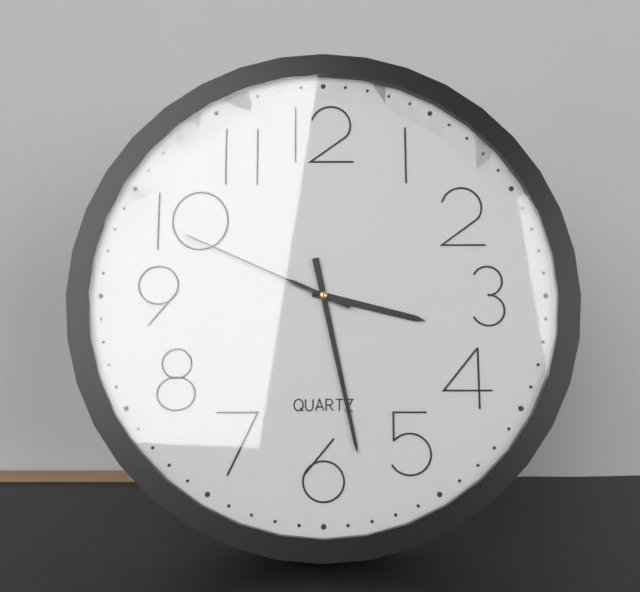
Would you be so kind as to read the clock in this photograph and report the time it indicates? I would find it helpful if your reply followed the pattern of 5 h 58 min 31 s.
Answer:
3 h 28 min 49 s
